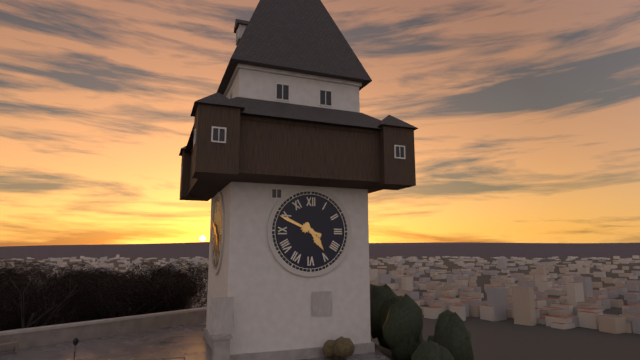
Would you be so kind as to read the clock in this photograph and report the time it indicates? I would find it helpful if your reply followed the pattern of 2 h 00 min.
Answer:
4 h 49 min
